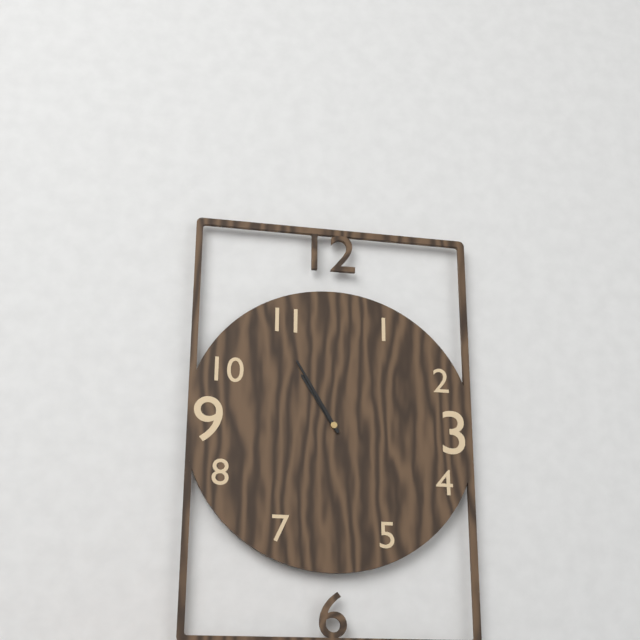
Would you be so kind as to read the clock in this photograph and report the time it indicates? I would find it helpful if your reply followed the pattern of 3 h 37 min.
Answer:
10 h 55 min
